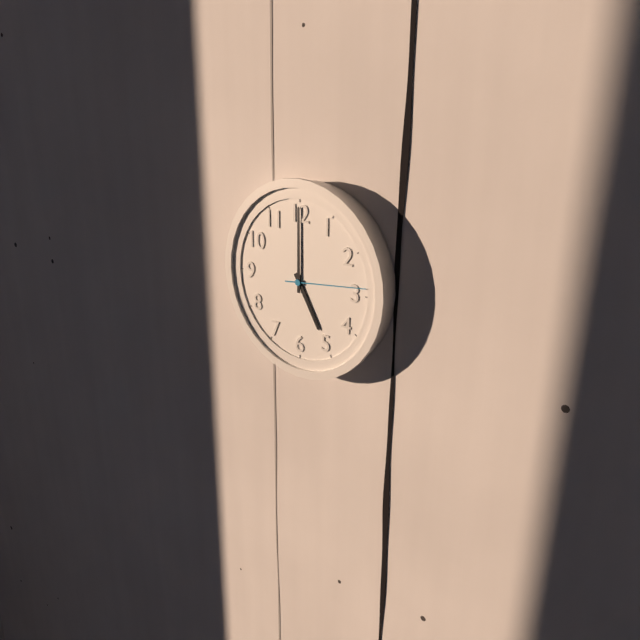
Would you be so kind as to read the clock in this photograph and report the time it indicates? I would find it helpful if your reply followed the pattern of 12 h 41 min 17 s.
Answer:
5 h 00 min 14 s
